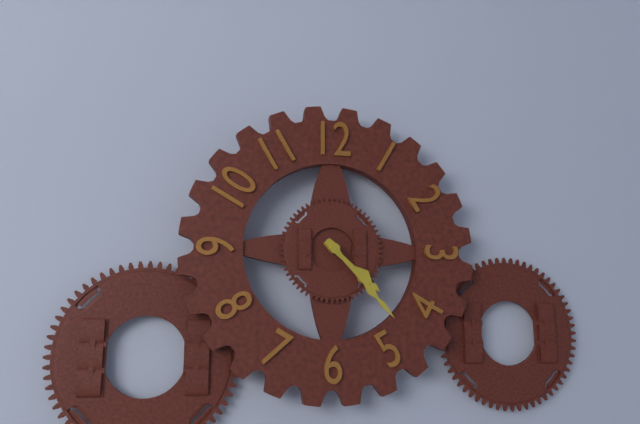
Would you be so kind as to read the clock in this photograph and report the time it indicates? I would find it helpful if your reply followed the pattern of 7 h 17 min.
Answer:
4 h 23 min
